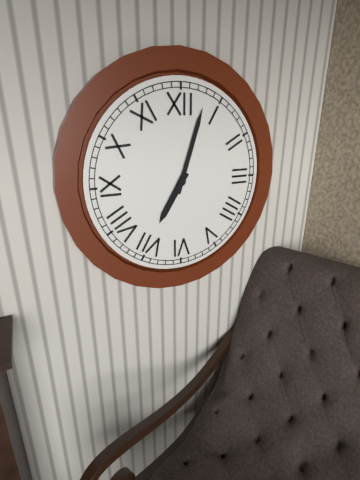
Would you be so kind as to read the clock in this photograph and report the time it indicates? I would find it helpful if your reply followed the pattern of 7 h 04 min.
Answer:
7 h 03 min
